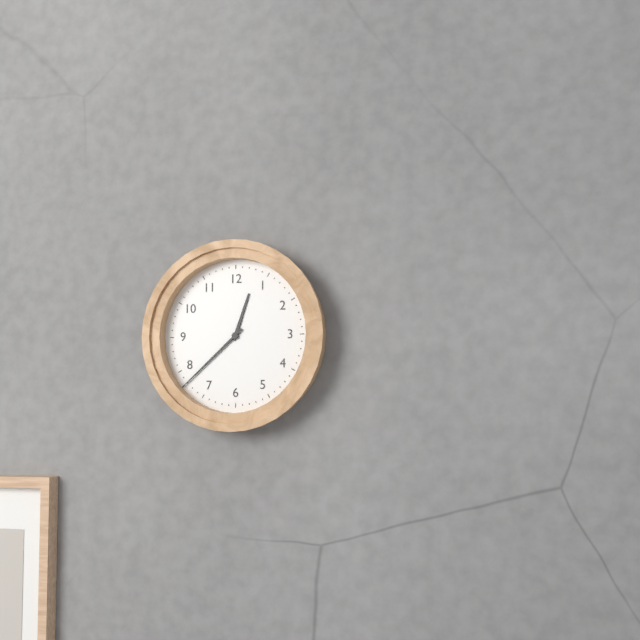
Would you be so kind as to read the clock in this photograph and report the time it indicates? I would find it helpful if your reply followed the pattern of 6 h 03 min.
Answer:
12 h 38 min
